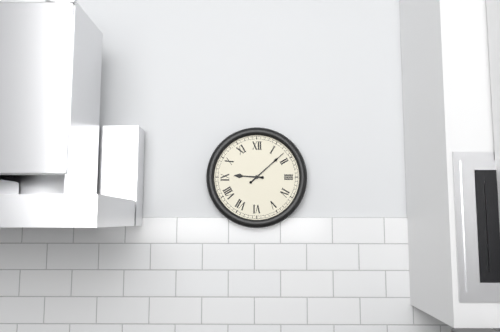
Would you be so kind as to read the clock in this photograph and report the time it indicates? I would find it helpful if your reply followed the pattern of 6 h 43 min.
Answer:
9 h 08 min
